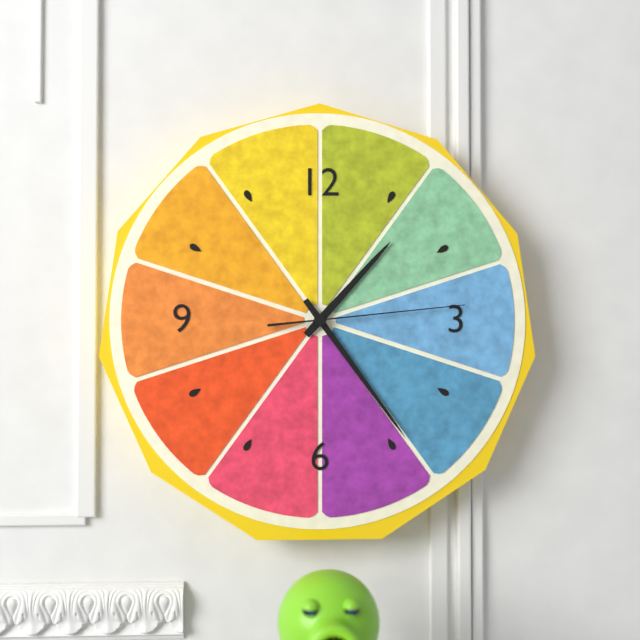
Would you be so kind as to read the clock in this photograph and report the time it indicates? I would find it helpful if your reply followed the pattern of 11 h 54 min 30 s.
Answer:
1 h 24 min 14 s
